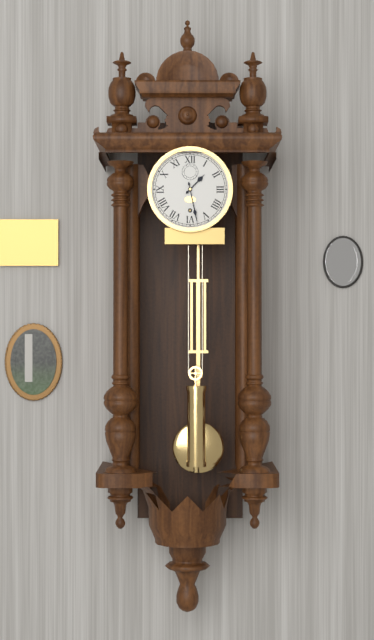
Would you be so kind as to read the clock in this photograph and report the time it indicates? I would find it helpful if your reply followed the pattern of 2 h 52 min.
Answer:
1 h 28 min
